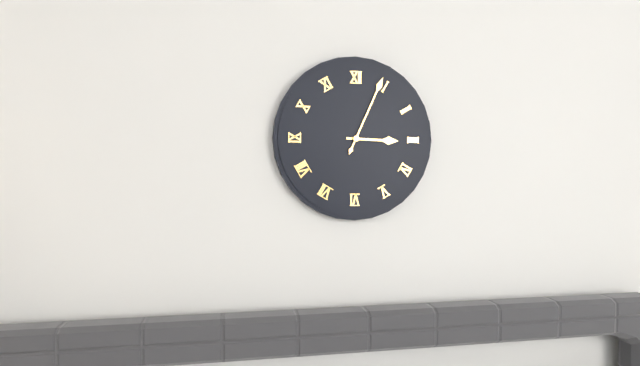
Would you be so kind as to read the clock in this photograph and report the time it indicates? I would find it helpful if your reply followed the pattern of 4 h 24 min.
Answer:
3 h 04 min
